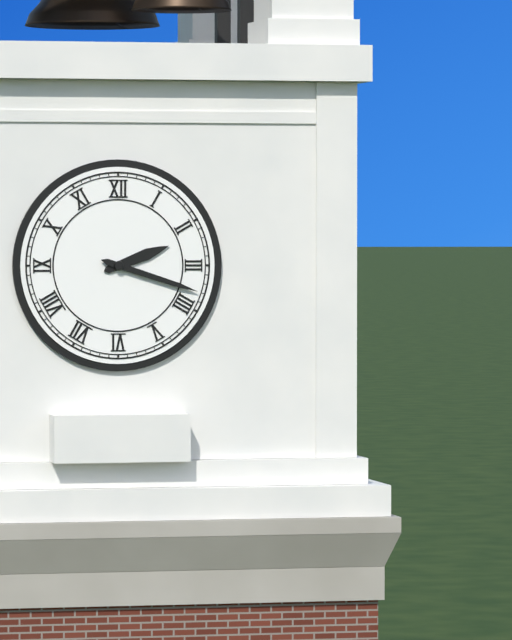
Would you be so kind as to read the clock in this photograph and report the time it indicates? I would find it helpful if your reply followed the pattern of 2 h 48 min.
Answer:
2 h 18 min
